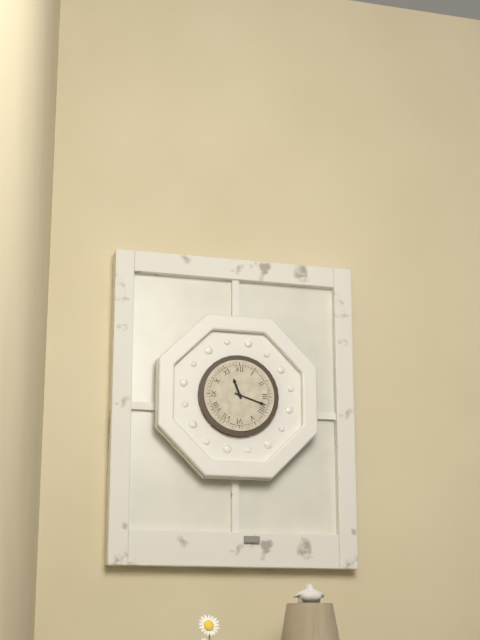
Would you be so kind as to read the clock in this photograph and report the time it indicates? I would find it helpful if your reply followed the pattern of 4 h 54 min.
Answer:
11 h 18 min
